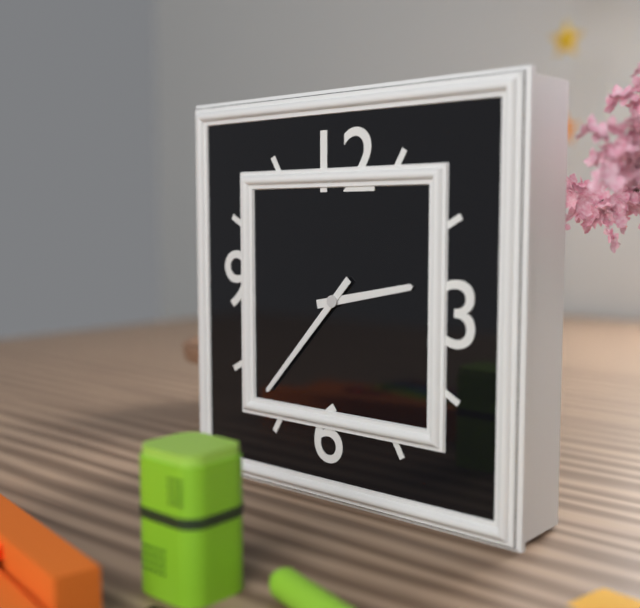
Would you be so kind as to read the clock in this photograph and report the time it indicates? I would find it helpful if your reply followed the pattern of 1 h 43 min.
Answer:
2 h 37 min
